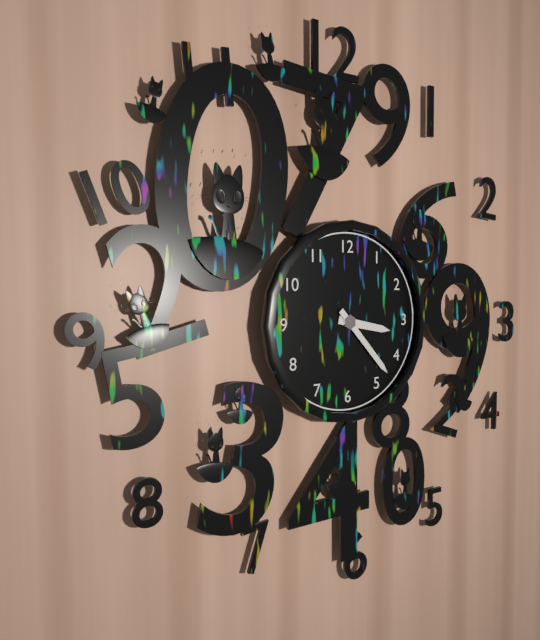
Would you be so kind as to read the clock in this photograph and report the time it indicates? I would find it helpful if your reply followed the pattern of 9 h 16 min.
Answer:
3 h 23 min
